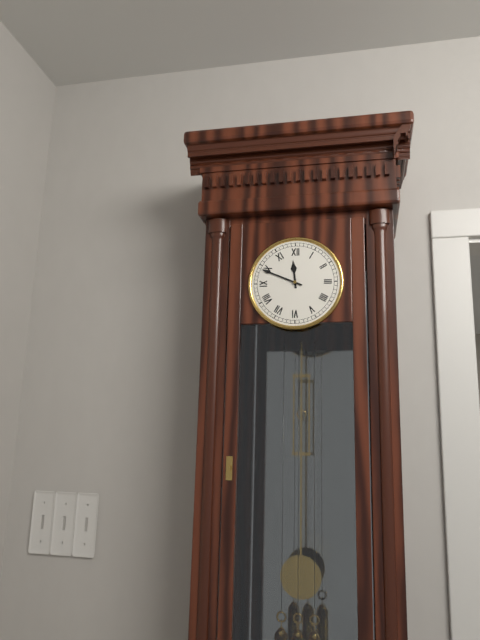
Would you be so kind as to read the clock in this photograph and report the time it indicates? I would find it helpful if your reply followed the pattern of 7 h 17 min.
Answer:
11 h 49 min
